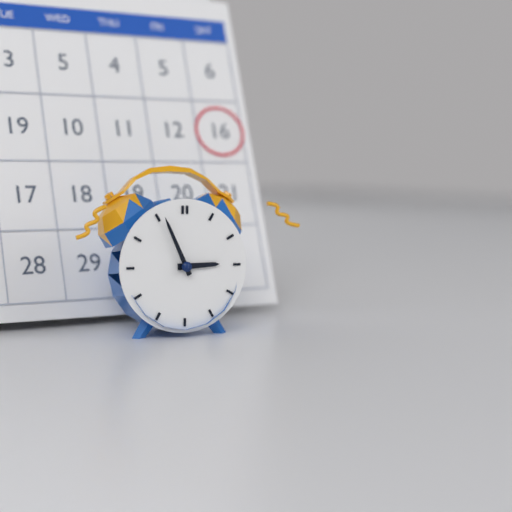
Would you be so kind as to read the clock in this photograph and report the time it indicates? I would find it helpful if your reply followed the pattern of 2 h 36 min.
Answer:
2 h 56 min
